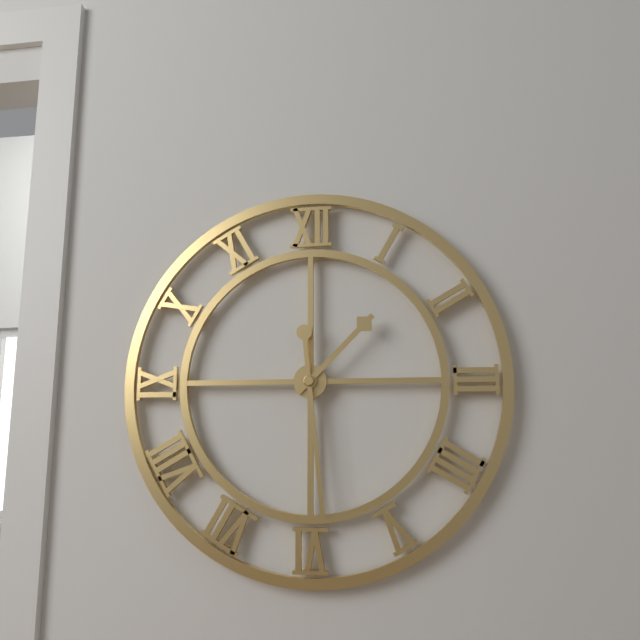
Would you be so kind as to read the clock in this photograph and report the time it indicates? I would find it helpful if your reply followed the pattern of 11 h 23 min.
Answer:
1 h 29 min
